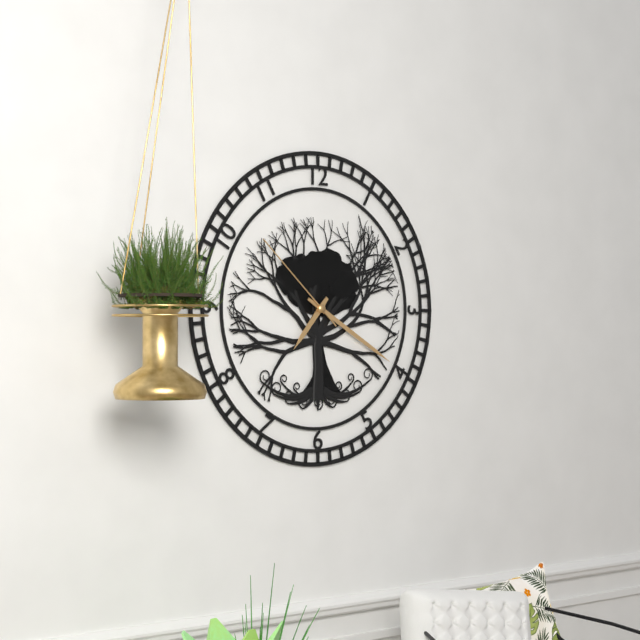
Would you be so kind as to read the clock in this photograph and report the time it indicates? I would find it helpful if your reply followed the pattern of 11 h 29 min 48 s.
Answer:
7 h 20 min 52 s
